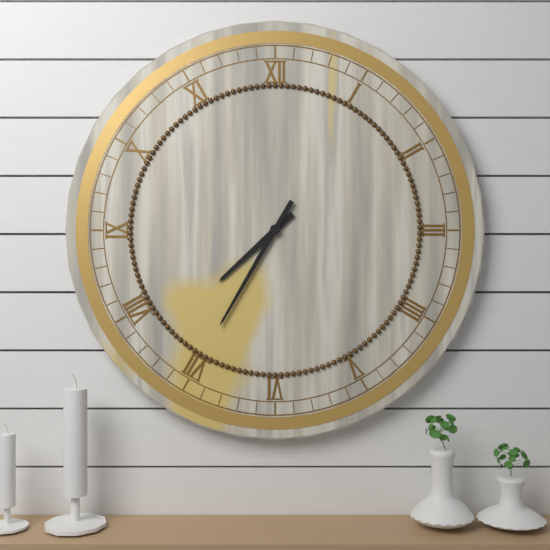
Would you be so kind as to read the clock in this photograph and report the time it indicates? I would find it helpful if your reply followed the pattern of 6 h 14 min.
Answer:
7 h 35 min
